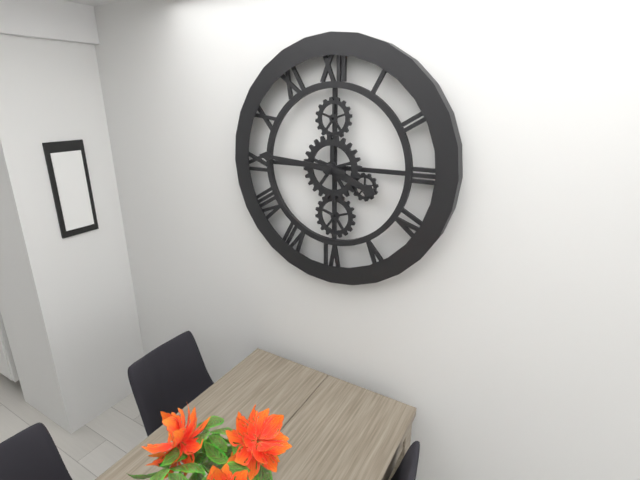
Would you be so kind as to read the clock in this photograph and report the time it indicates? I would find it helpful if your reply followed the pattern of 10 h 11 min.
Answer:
3 h 46 min
